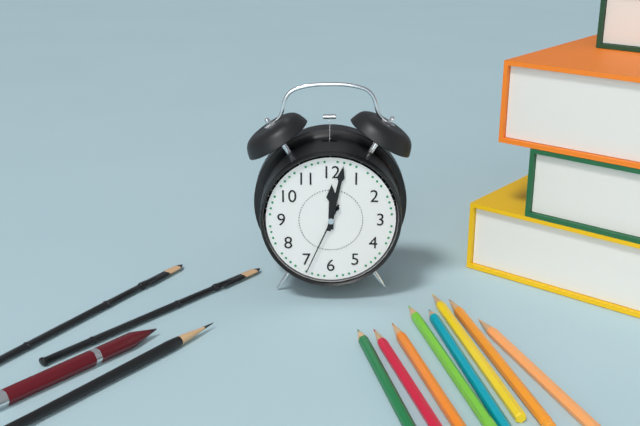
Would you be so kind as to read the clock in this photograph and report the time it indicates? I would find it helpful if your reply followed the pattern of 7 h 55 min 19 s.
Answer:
12 h 02 min 34 s
